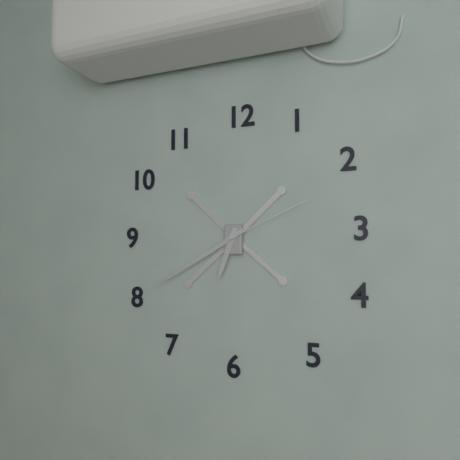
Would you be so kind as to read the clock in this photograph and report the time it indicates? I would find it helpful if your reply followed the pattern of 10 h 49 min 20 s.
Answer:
6 h 40 min 11 s
